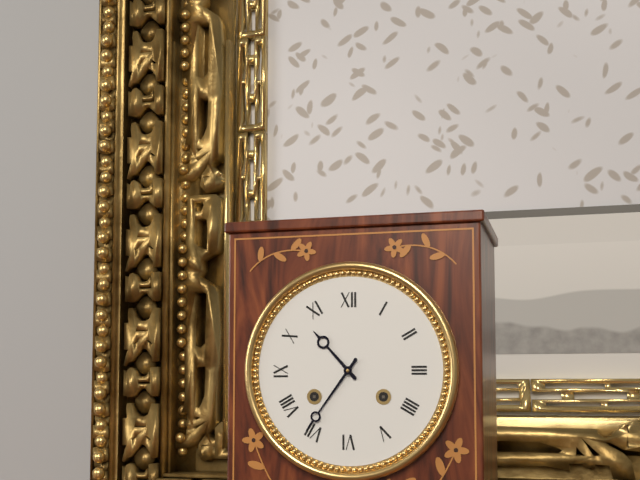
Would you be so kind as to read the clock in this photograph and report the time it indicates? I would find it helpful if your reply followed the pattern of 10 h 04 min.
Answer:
10 h 36 min
